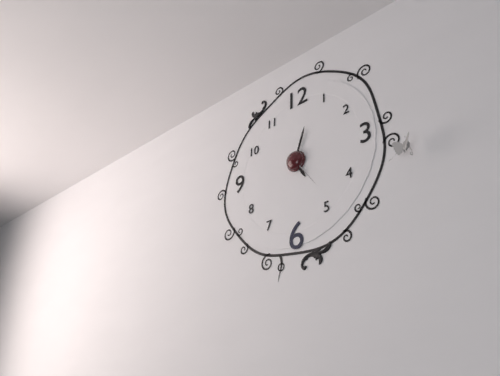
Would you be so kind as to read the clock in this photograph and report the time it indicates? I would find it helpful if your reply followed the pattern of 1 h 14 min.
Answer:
5 h 03 min
